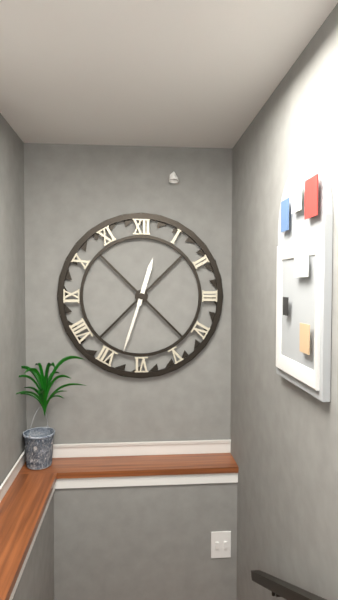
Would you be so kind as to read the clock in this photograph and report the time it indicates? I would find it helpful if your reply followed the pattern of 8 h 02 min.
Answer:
12 h 33 min
